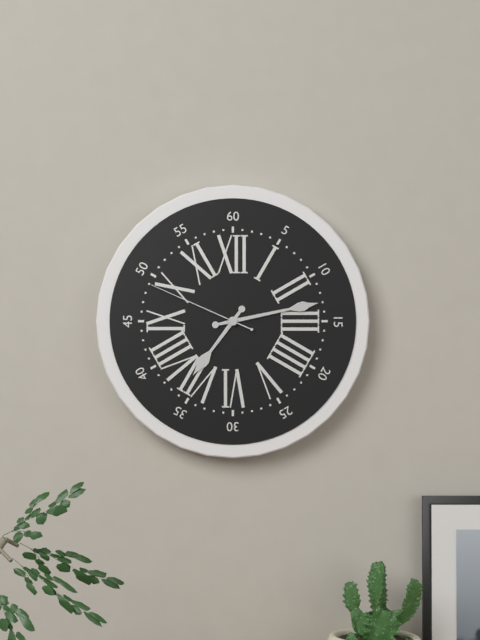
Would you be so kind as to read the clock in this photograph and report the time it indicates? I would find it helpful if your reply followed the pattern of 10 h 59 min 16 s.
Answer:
7 h 13 min 49 s
